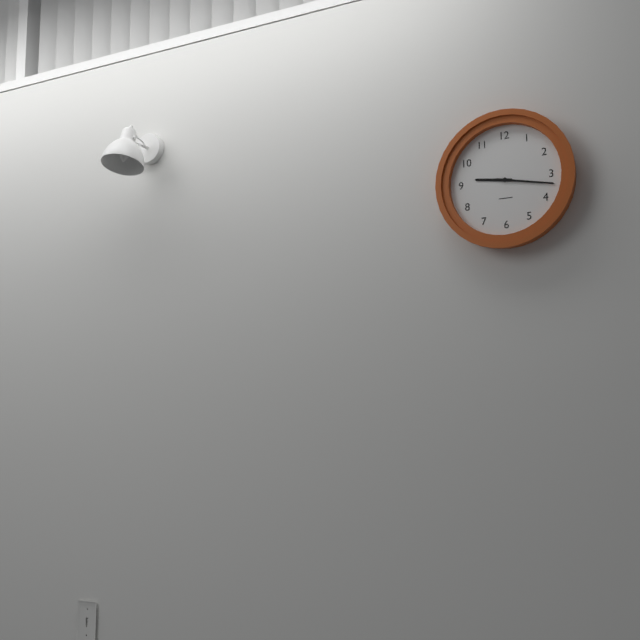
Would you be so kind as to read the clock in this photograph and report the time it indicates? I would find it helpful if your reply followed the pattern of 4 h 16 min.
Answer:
9 h 17 min
